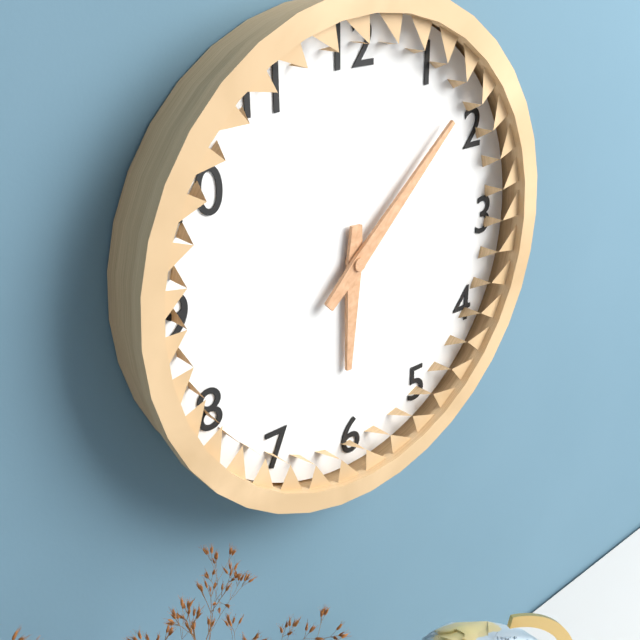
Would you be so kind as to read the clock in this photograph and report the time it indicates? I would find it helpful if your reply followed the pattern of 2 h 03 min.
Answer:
6 h 08 min
